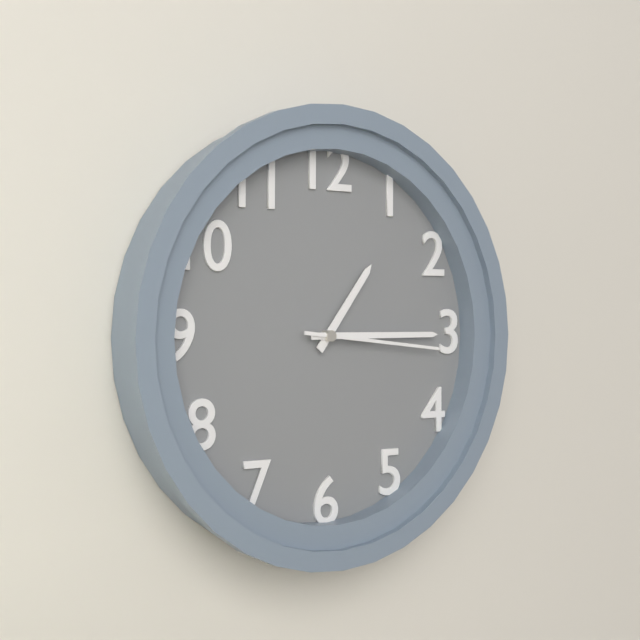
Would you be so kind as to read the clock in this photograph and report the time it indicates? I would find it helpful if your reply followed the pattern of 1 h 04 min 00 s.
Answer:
1 h 15 min 16 s
